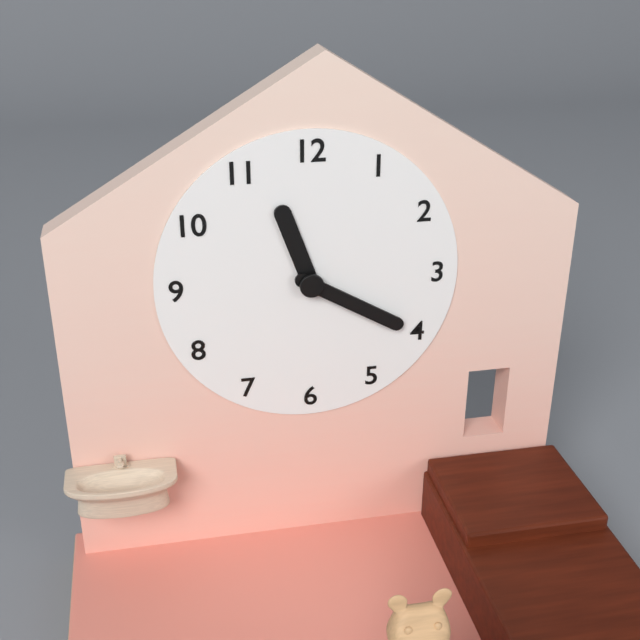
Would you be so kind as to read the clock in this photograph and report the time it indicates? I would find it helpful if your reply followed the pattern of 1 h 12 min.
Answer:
11 h 20 min
